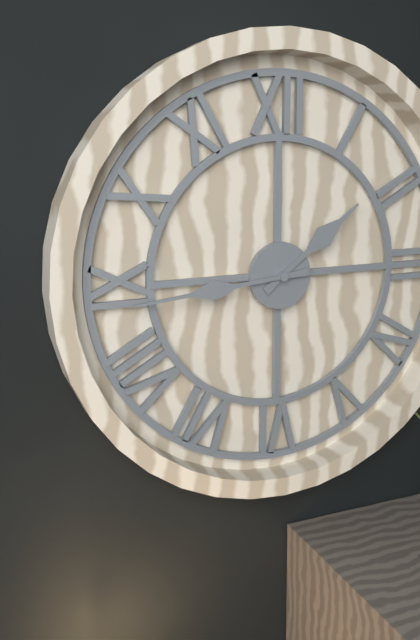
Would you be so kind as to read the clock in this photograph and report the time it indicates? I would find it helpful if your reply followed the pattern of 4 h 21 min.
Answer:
1 h 44 min
